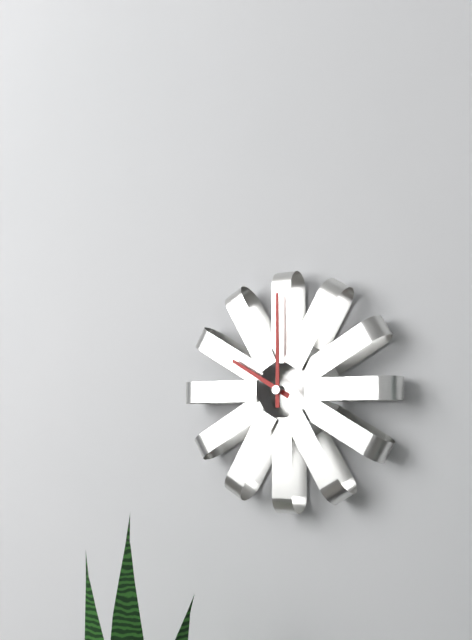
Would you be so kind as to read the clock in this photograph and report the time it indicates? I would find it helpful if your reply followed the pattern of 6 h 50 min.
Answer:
10 h 00 min
